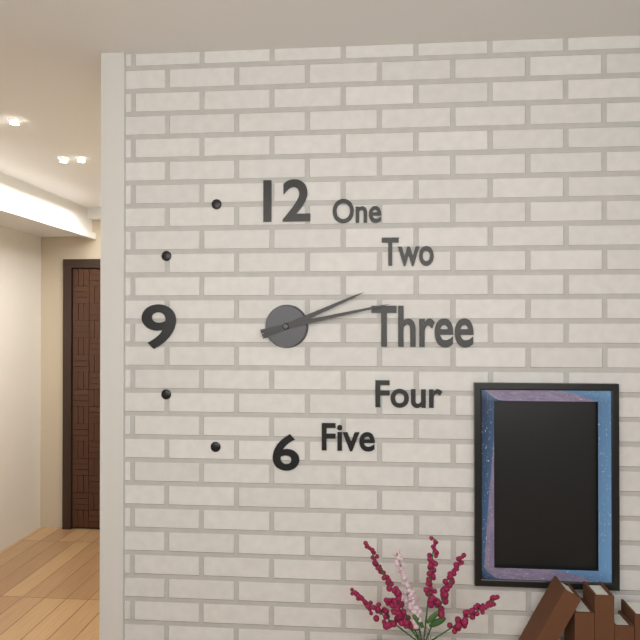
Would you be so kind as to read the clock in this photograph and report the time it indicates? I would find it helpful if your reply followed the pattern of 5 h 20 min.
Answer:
2 h 13 min
